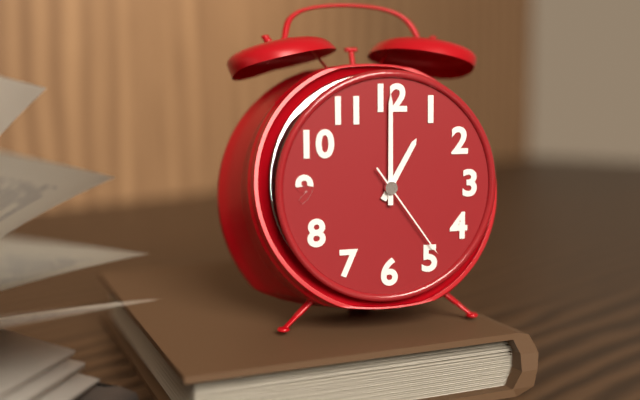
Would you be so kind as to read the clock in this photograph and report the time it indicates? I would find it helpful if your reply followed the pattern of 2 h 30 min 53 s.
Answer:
1 h 00 min 24 s
